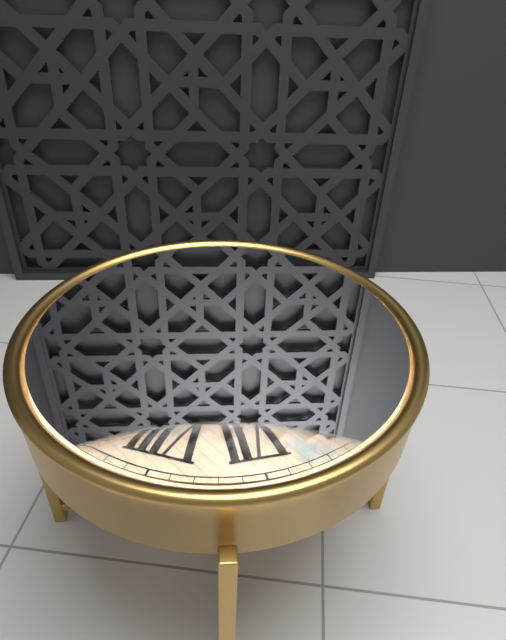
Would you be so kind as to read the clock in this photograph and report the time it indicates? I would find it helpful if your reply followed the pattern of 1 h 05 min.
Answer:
6 h 07 min
